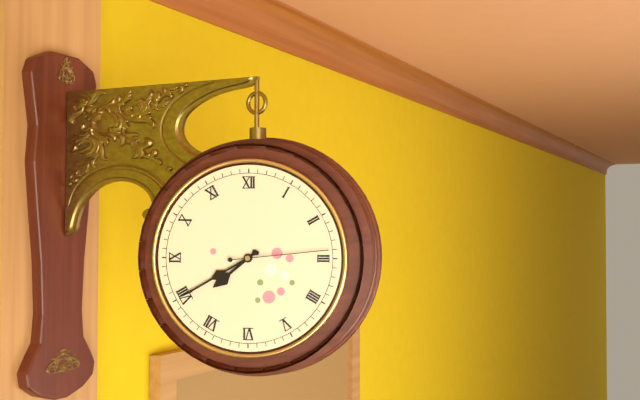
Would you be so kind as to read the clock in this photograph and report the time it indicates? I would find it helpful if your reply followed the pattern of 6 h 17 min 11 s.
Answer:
7 h 40 min 14 s
